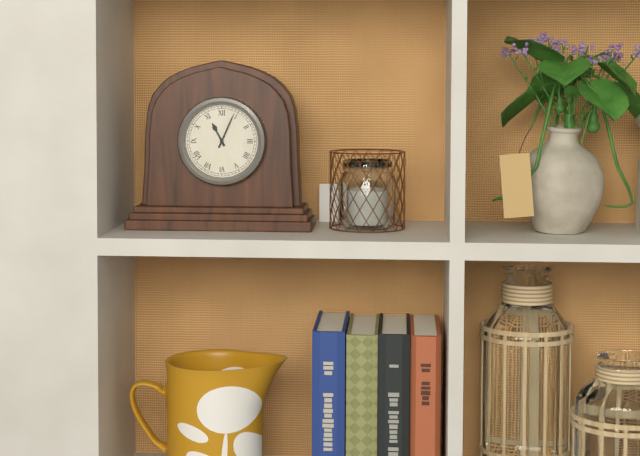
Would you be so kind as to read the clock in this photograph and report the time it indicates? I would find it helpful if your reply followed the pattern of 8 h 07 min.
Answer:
11 h 04 min
